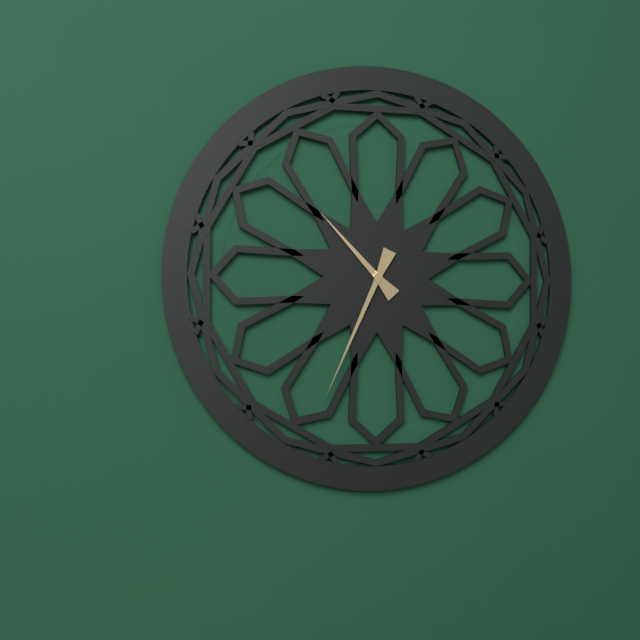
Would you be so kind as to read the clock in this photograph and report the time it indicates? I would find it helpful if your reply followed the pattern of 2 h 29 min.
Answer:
10 h 34 min
